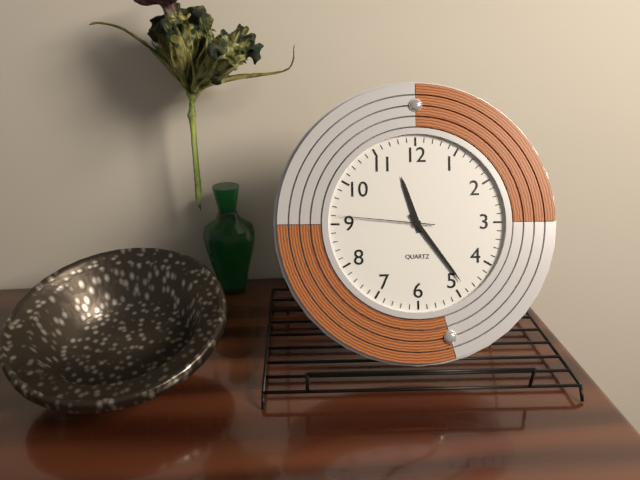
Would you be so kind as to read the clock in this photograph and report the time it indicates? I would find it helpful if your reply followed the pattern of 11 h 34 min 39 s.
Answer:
11 h 24 min 46 s
